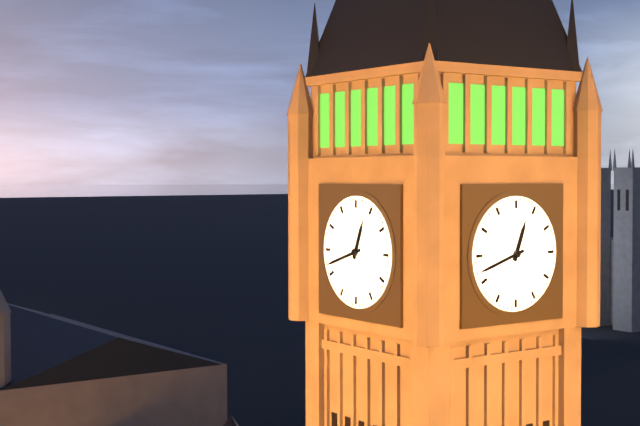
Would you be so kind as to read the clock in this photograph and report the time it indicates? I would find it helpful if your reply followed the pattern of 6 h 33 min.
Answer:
12 h 42 min
